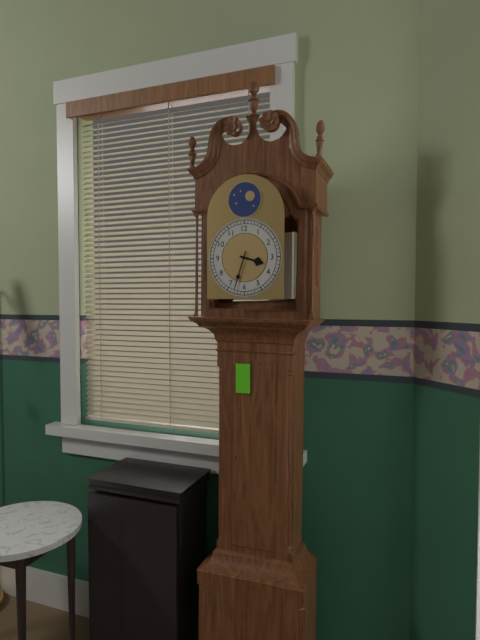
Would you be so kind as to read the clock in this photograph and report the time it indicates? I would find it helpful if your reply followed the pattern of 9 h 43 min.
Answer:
3 h 33 min
